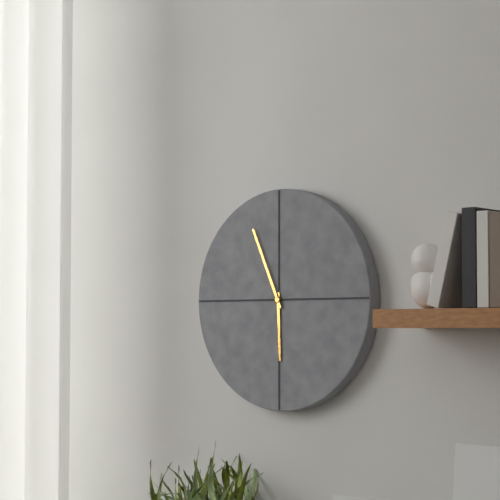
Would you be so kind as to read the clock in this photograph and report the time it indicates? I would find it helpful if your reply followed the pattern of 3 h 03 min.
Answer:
5 h 56 min
